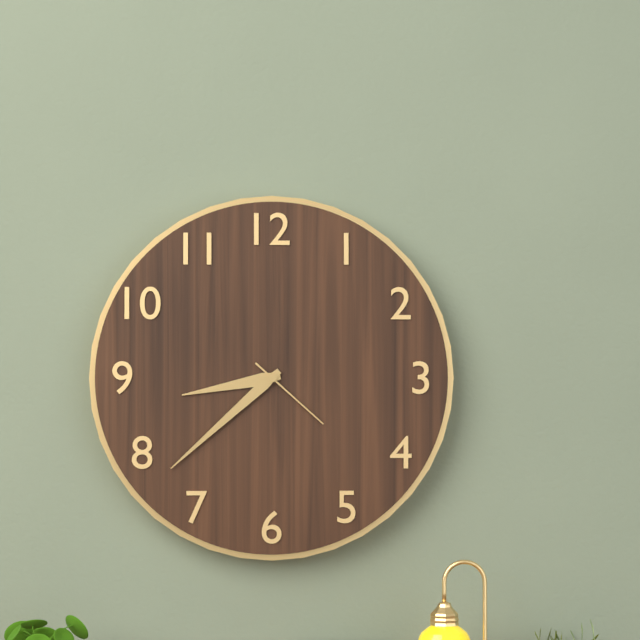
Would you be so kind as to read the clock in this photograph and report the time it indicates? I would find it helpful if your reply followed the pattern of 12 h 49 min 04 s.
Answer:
8 h 38 min 22 s
